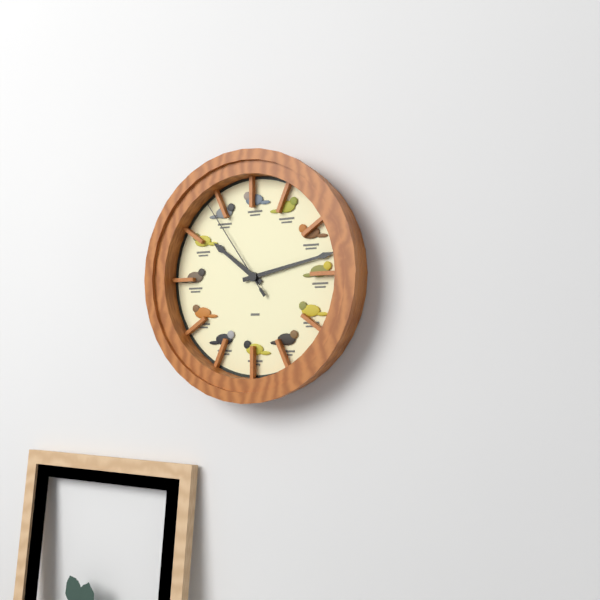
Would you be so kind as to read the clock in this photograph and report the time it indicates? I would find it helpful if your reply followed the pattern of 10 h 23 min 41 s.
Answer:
10 h 13 min 54 s
